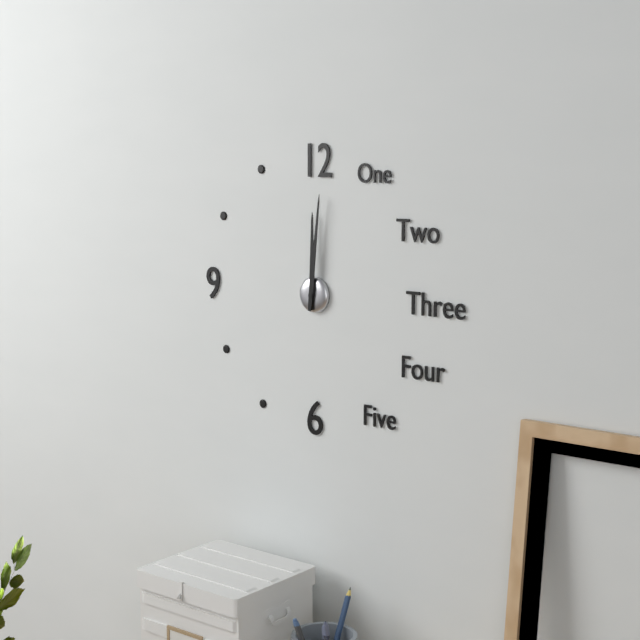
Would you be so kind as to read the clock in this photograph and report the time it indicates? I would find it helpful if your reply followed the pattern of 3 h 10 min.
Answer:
12 h 01 min
